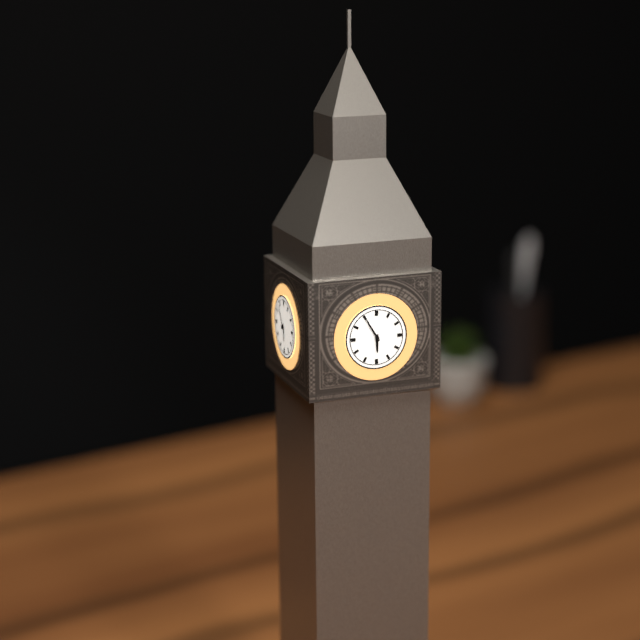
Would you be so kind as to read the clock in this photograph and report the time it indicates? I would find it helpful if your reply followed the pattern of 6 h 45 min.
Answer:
5 h 55 min
